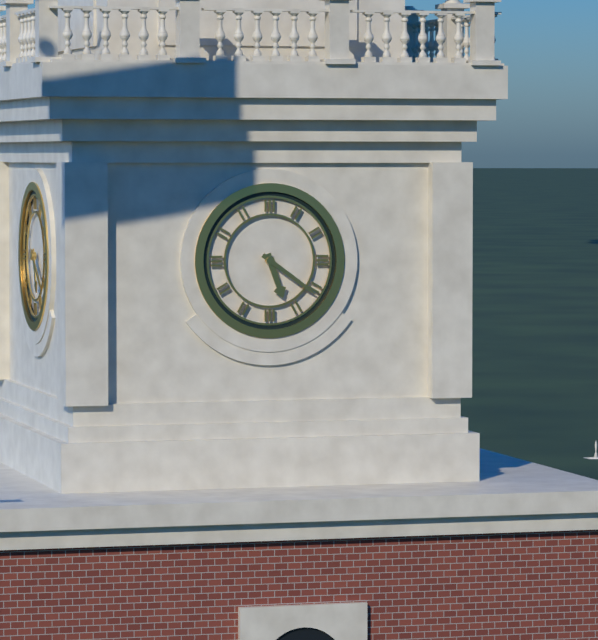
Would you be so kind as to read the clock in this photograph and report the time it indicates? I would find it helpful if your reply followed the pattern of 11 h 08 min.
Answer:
5 h 21 min
